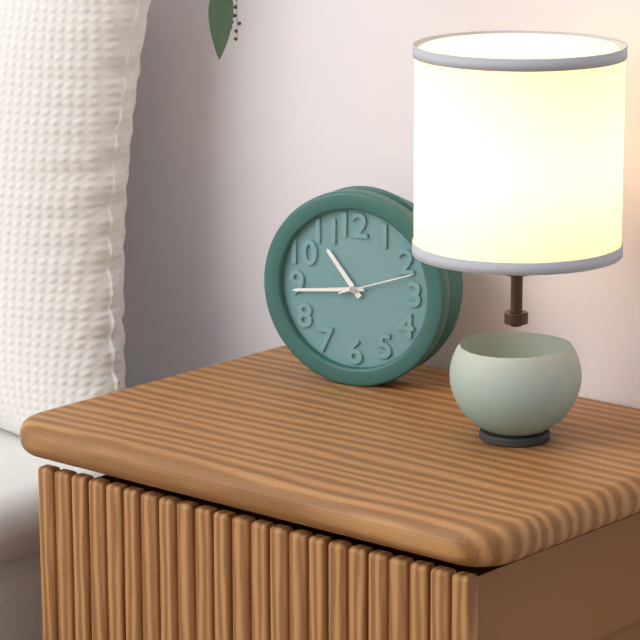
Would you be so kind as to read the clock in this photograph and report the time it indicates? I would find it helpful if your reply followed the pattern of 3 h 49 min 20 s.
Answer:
10 h 44 min 12 s
